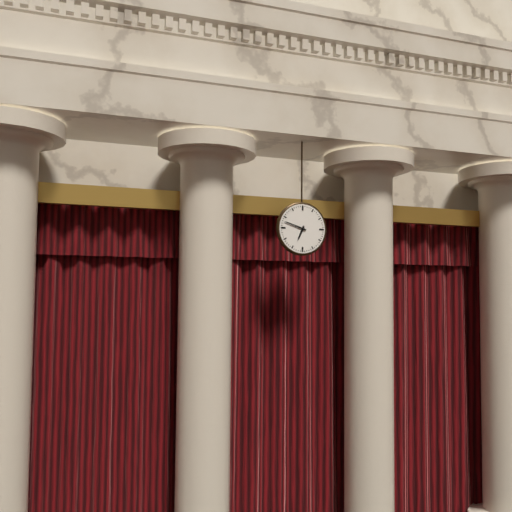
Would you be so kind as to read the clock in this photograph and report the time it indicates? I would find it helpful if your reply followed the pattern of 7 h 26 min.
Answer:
6 h 48 min
